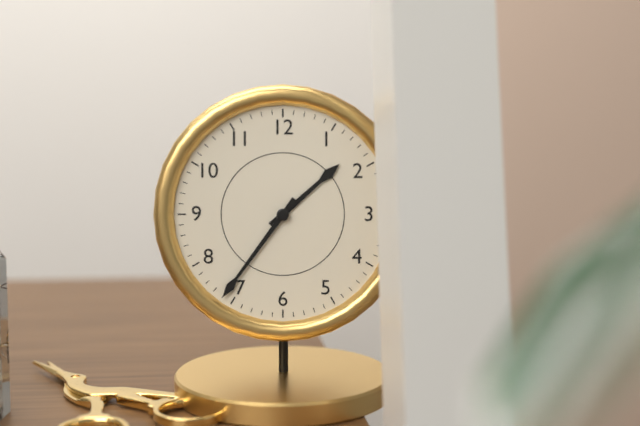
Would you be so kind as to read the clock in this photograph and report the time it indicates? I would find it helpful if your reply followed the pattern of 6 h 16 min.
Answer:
1 h 36 min
